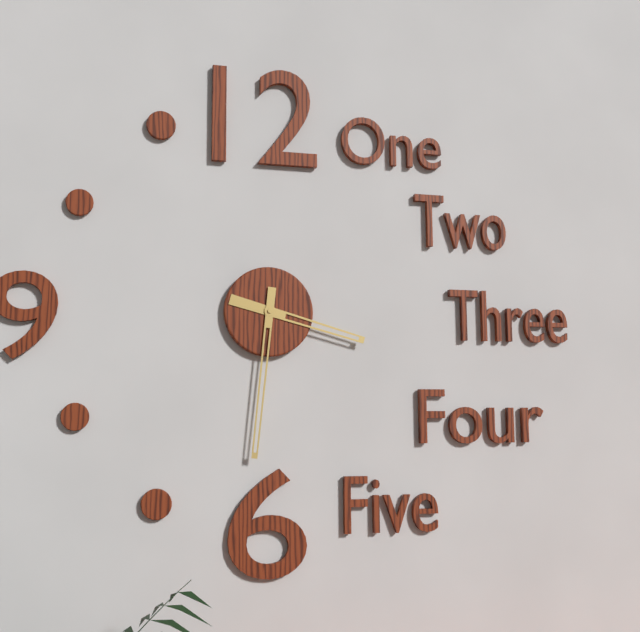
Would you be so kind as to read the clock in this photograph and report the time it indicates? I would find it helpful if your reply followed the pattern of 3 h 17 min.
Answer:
3 h 31 min
